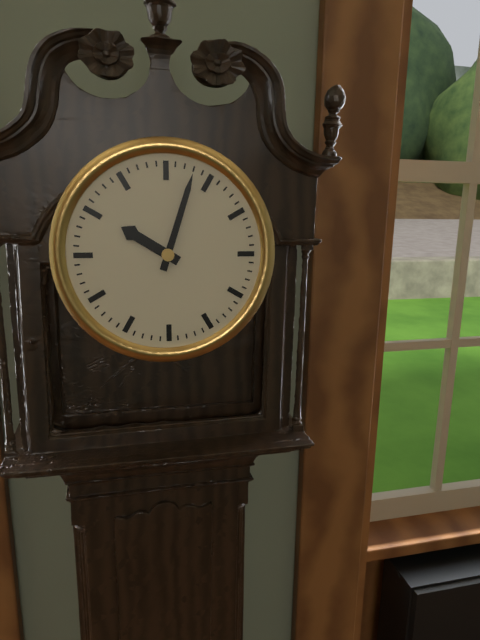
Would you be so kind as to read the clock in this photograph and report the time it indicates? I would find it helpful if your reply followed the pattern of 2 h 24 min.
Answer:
10 h 03 min
